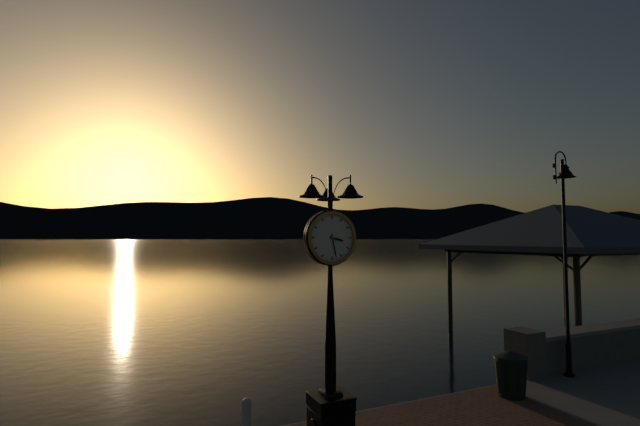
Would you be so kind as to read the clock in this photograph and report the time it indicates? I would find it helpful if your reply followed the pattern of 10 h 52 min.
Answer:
3 h 28 min
